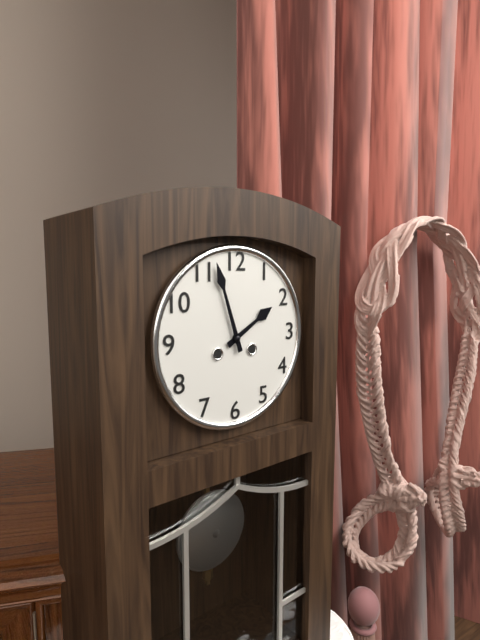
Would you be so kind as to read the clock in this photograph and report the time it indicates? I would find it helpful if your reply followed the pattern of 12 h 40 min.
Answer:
1 h 57 min
